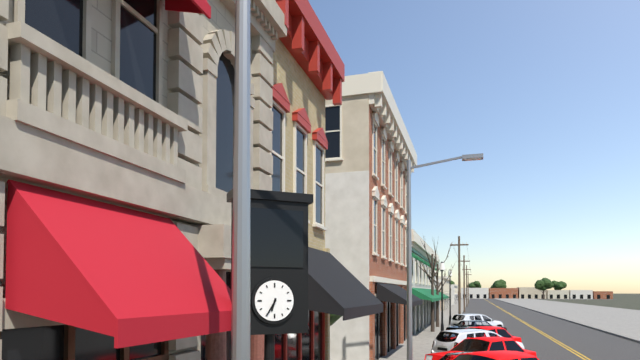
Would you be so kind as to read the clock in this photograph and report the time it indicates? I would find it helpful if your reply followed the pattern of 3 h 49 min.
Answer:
6 h 35 min
